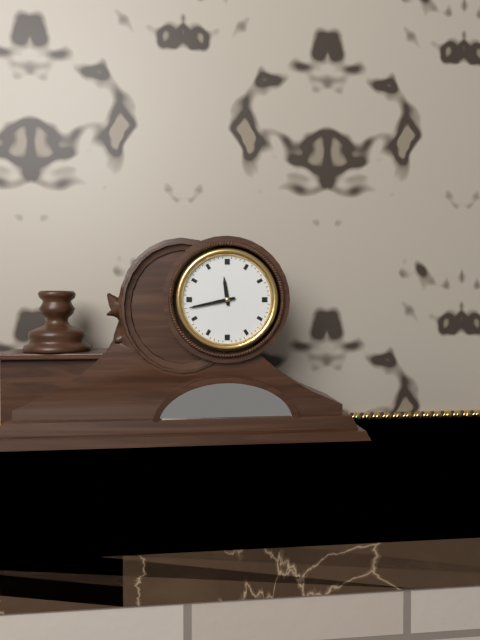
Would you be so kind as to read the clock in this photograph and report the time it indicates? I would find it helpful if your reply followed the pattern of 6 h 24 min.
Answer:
11 h 43 min
